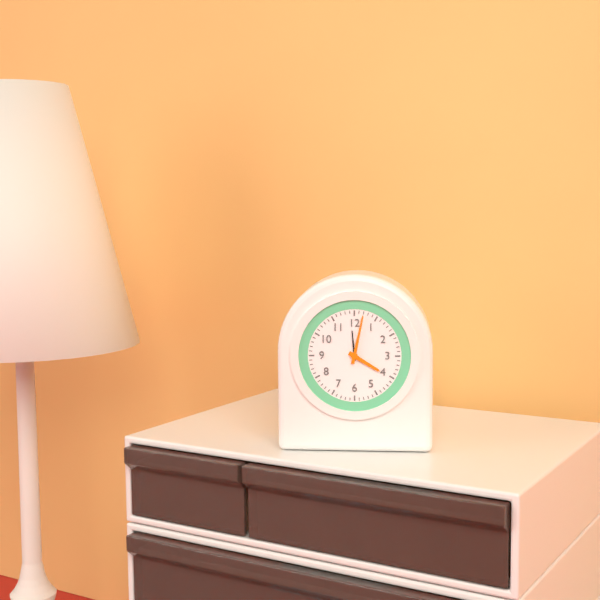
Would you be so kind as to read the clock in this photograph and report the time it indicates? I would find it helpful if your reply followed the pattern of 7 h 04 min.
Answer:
4 h 02 min
